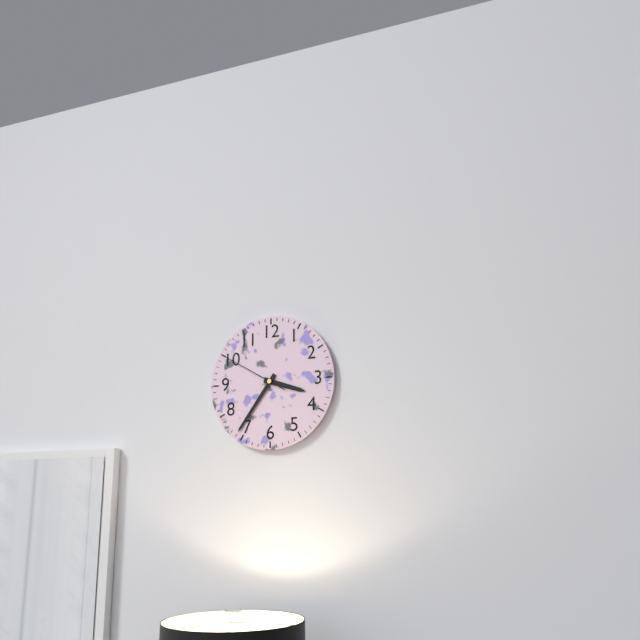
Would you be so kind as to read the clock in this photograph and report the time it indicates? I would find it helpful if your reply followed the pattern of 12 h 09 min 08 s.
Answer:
3 h 36 min 50 s
